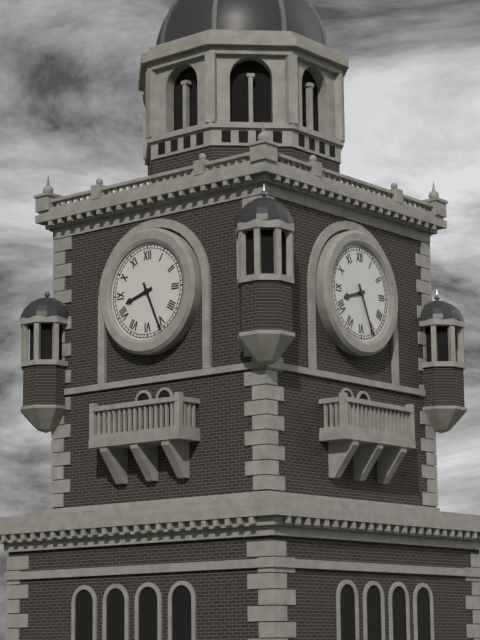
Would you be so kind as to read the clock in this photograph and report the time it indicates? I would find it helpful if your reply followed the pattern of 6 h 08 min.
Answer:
8 h 26 min
